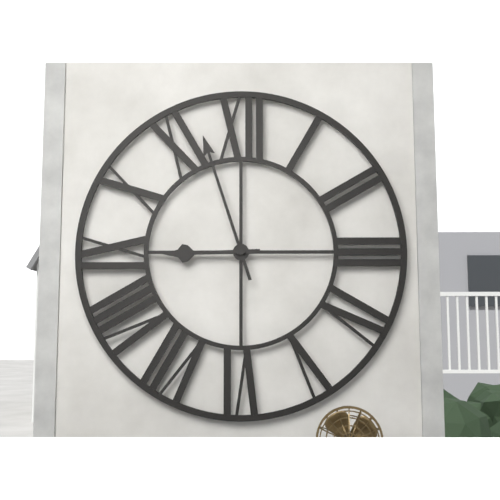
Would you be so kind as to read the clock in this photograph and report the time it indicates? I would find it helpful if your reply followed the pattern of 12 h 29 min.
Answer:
8 h 57 min
